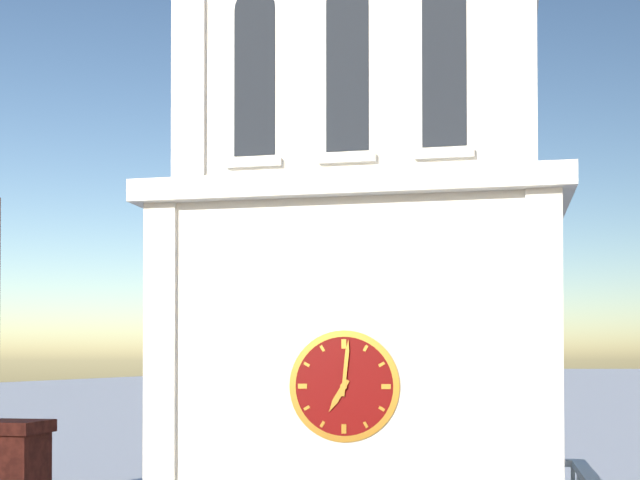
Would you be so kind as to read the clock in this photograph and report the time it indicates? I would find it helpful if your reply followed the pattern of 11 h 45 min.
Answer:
7 h 01 min
